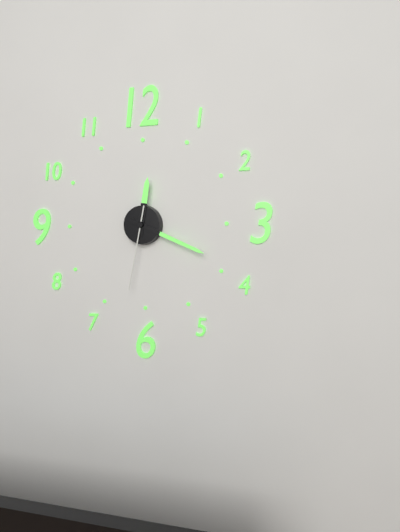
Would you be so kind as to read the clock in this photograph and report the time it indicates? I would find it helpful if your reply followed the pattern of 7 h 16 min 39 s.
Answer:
12 h 19 min 32 s
